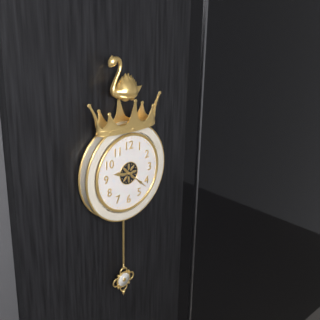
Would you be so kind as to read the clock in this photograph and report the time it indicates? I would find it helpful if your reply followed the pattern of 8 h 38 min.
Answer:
9 h 22 min
